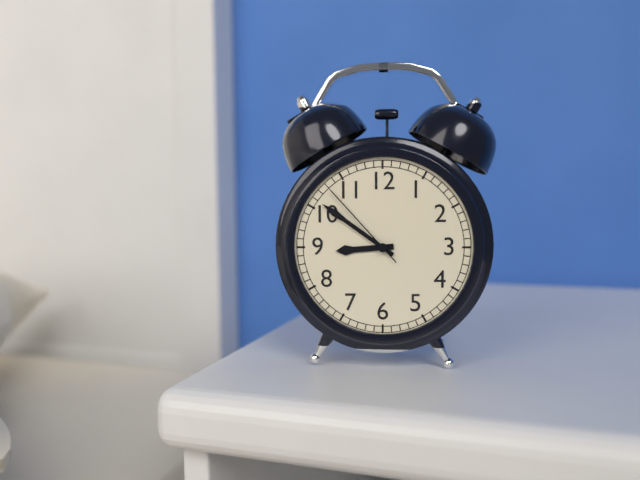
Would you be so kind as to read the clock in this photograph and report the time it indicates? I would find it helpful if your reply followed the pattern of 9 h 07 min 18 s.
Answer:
8 h 51 min 53 s
